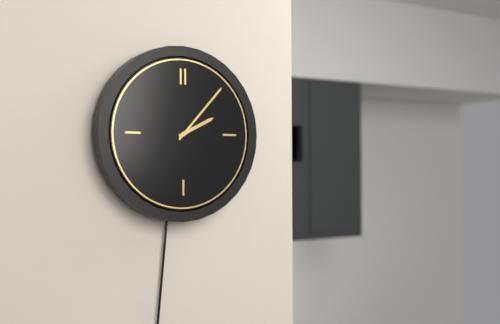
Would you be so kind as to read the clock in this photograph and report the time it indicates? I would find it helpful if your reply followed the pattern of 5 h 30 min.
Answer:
2 h 07 min
